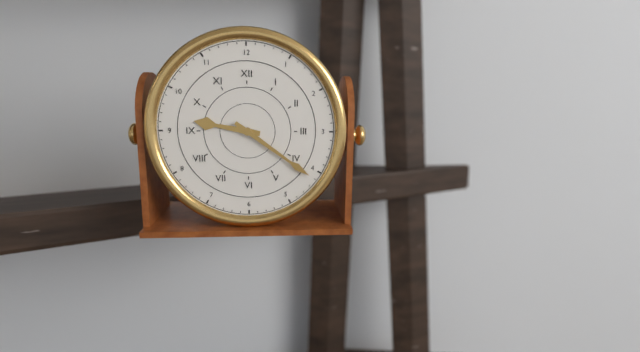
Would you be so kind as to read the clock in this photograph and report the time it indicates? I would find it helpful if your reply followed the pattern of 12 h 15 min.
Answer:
9 h 21 min
